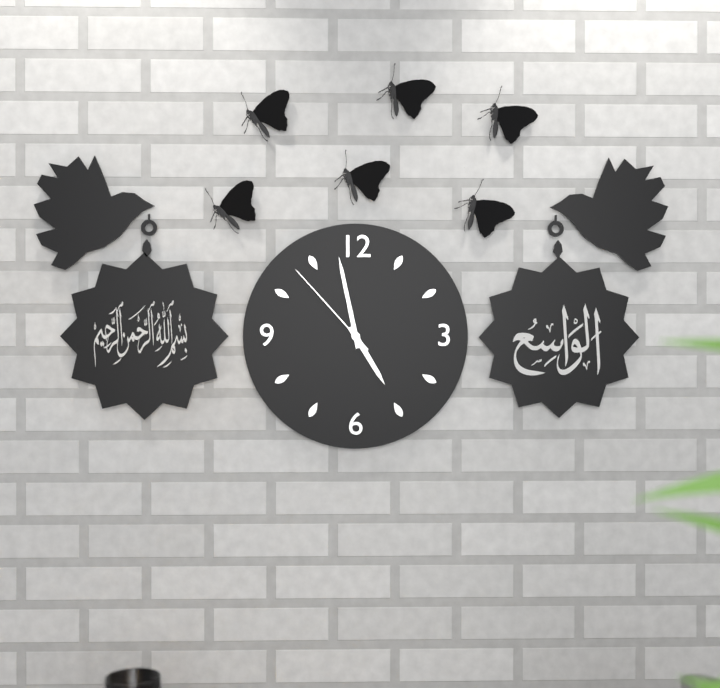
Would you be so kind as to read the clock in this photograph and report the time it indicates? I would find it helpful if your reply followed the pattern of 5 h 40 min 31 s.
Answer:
4 h 58 min 53 s
